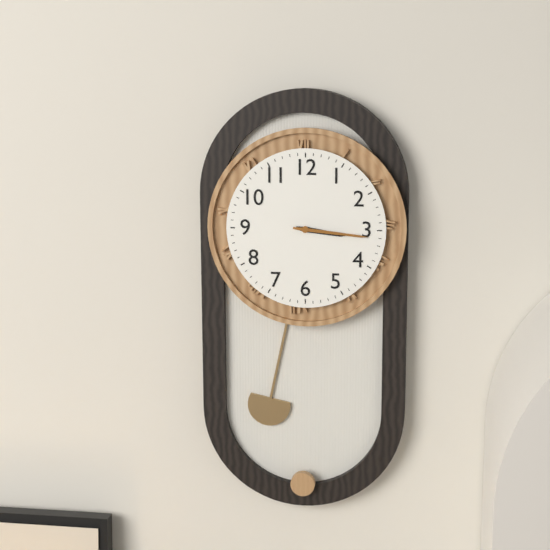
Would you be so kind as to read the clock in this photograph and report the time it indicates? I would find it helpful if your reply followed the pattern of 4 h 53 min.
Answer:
3 h 16 min
